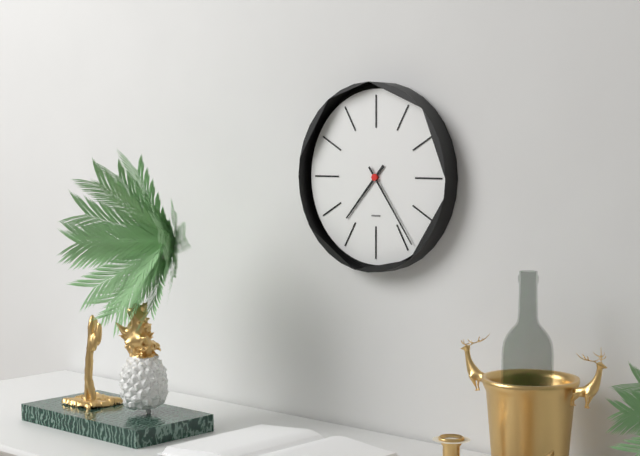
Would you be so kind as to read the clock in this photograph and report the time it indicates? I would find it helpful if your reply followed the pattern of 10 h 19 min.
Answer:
7 h 24 min
